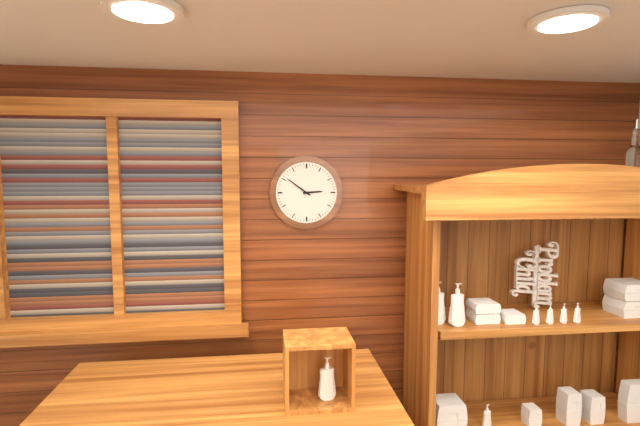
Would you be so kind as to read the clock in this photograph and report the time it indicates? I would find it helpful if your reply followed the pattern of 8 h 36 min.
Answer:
2 h 51 min
